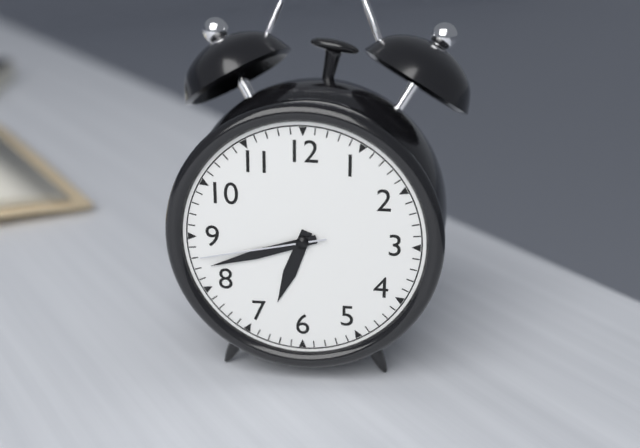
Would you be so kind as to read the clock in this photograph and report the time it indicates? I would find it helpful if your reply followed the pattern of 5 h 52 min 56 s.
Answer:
6 h 42 min 43 s
